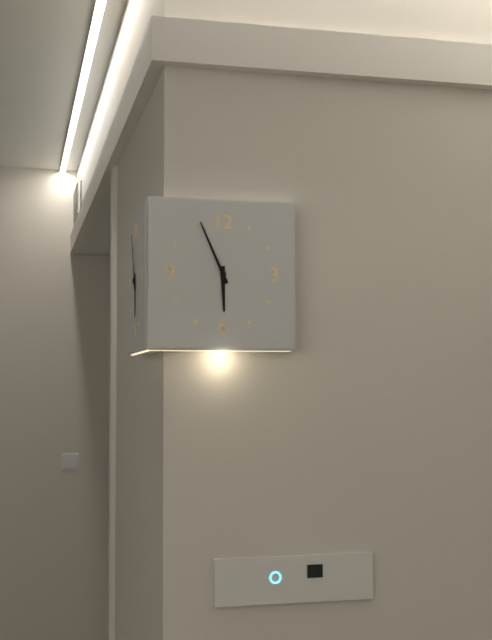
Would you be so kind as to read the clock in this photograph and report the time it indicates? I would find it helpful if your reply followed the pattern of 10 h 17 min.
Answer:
5 h 56 min
